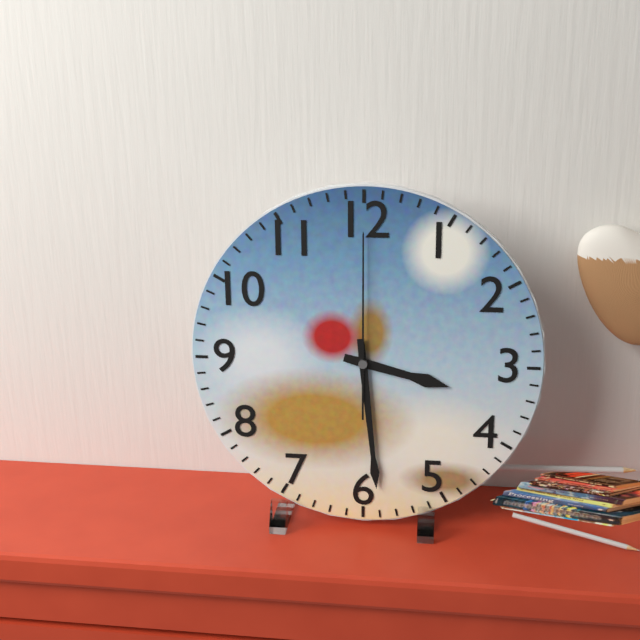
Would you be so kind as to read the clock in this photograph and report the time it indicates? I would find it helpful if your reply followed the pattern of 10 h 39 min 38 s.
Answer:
3 h 29 min 00 s
